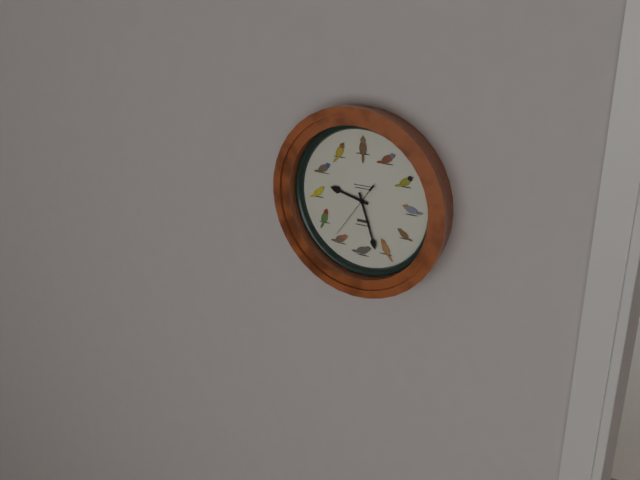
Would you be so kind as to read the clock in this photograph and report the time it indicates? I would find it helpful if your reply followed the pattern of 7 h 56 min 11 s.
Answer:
9 h 27 min 36 s
